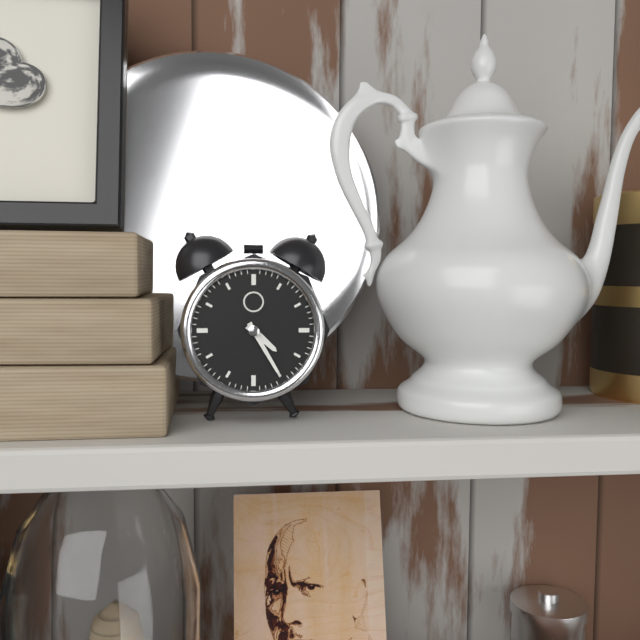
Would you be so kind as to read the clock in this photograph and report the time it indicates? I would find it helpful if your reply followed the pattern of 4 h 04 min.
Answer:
4 h 25 min
